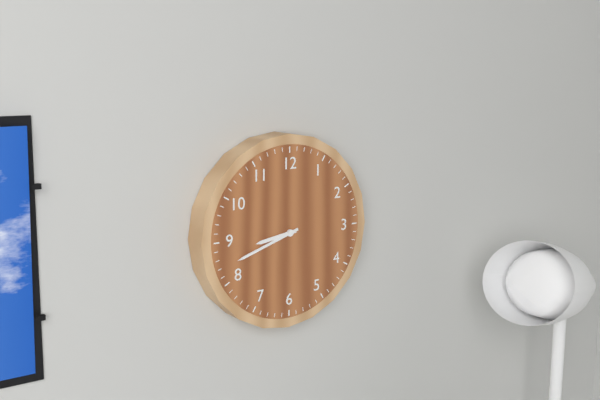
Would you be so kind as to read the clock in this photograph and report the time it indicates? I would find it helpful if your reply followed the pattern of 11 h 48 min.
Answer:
8 h 42 min
